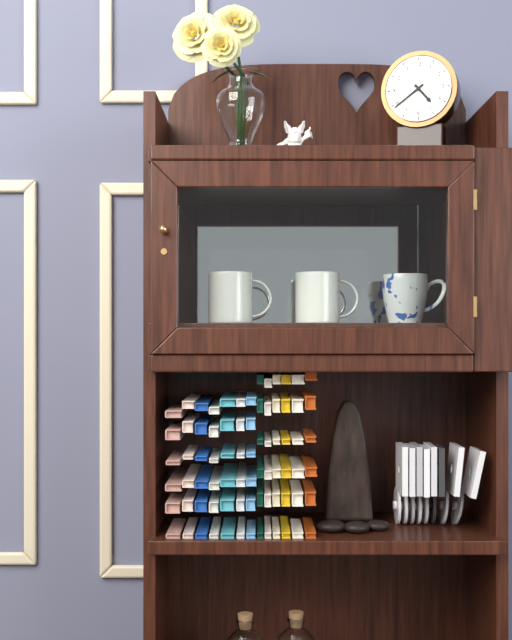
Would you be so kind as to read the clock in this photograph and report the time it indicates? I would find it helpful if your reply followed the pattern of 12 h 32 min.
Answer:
4 h 39 min
